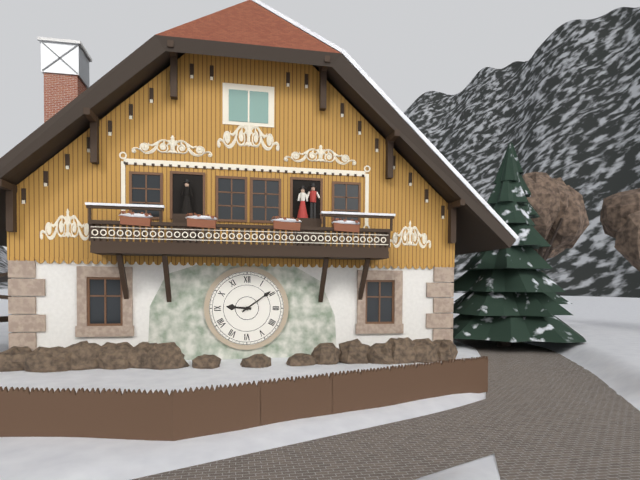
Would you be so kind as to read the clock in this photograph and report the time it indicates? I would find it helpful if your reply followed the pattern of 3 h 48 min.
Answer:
9 h 09 min
